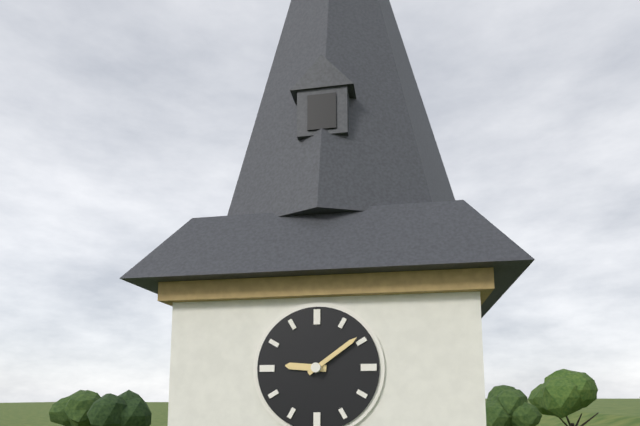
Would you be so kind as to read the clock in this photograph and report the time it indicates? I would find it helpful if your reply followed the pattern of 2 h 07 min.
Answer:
9 h 09 min
